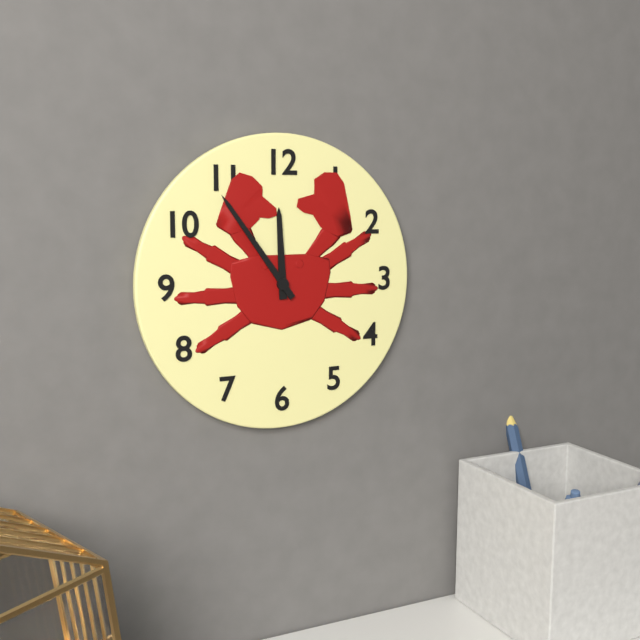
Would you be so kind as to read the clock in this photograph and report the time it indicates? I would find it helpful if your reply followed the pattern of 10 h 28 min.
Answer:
11 h 54 min
